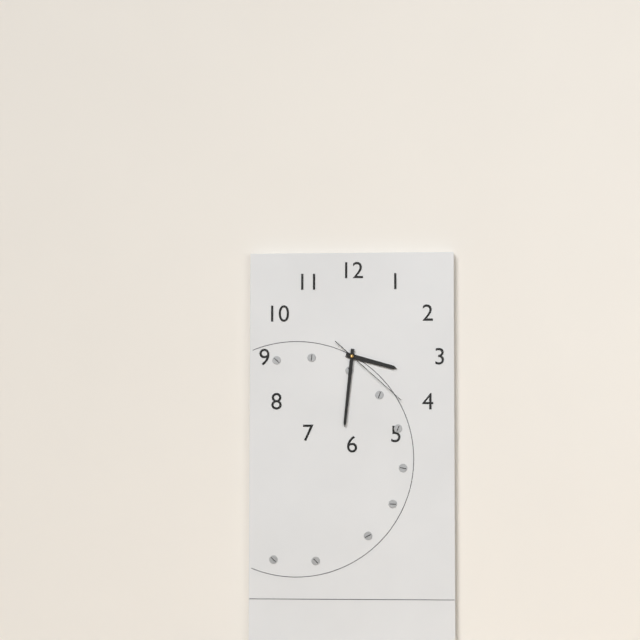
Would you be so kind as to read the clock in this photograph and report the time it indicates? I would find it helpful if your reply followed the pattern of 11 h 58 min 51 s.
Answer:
3 h 31 min 22 s
